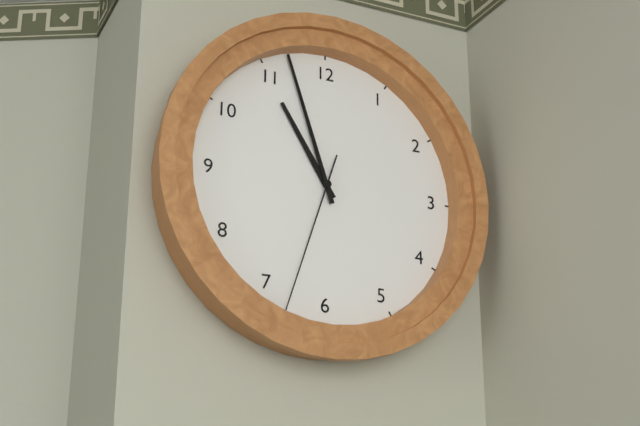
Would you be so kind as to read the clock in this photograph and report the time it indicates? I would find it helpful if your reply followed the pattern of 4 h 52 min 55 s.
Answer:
10 h 57 min 33 s
